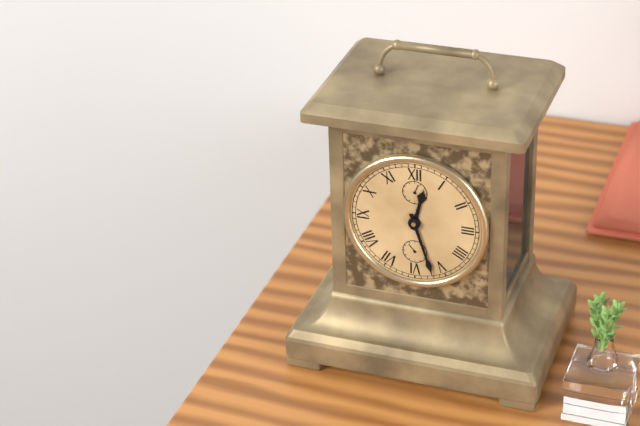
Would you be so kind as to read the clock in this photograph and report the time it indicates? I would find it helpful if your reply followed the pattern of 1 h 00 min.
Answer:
12 h 27 min
